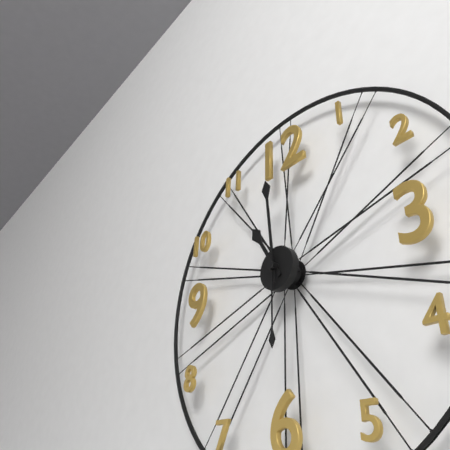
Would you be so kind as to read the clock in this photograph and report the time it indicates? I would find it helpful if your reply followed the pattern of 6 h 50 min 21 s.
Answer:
10 h 59 min 30 s
